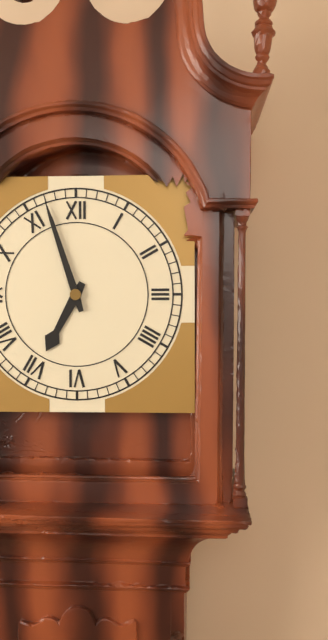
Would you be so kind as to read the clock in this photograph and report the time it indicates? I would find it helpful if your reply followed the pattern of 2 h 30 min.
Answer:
6 h 57 min
